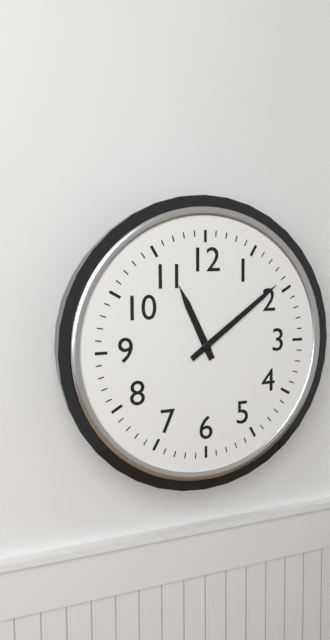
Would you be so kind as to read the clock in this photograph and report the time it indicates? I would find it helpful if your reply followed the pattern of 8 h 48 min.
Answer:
11 h 09 min
